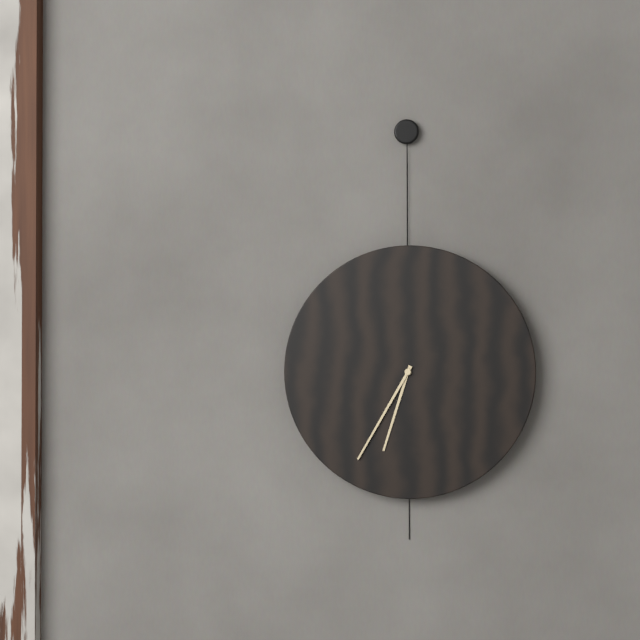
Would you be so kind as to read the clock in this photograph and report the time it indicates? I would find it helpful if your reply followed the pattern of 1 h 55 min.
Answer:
6 h 35 min
